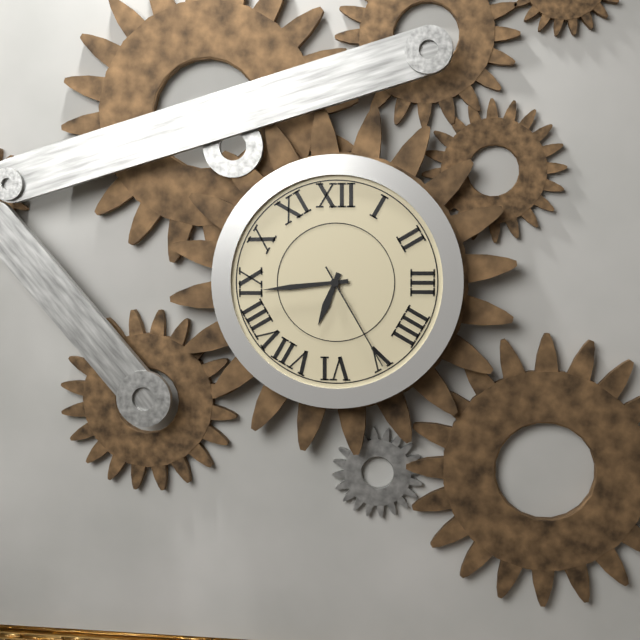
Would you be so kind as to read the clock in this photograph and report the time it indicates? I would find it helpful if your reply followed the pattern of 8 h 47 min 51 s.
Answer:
6 h 44 min 25 s
